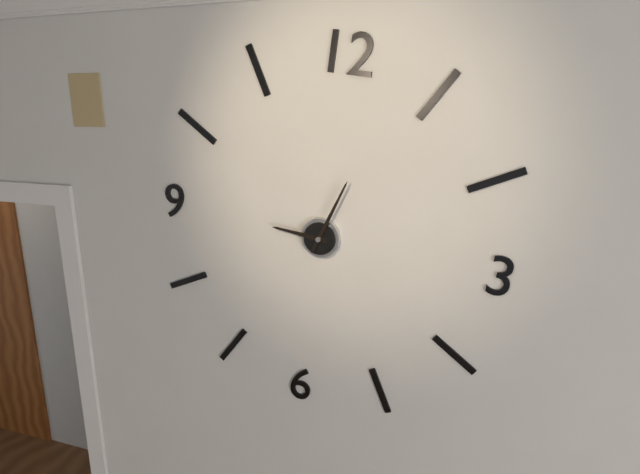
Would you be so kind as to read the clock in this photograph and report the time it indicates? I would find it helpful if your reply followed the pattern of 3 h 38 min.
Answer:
9 h 03 min
